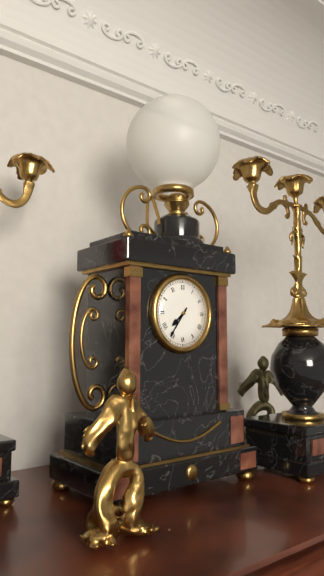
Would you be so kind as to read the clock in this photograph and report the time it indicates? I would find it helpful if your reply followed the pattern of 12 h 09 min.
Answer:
7 h 36 min
